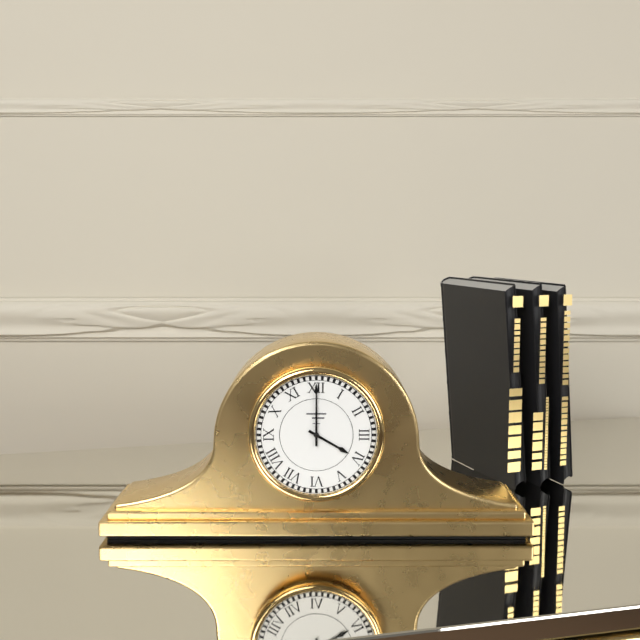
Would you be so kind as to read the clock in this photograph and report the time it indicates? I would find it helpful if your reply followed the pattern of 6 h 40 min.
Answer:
4 h 00 min
